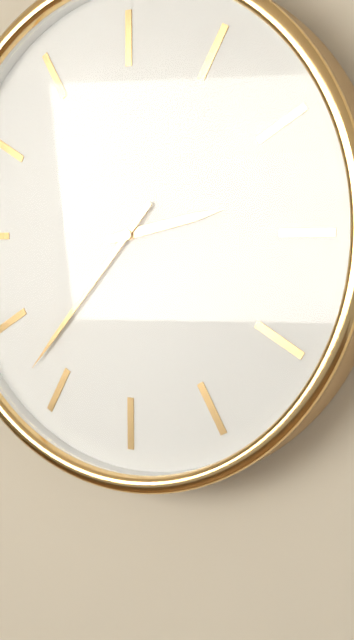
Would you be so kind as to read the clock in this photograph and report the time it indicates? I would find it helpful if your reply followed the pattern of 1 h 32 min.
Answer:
2 h 37 min
